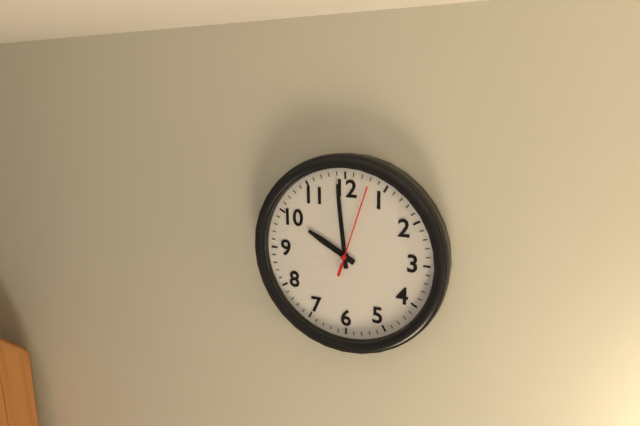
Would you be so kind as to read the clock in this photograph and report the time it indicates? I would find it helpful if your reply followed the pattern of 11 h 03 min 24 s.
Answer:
9 h 59 min 03 s
